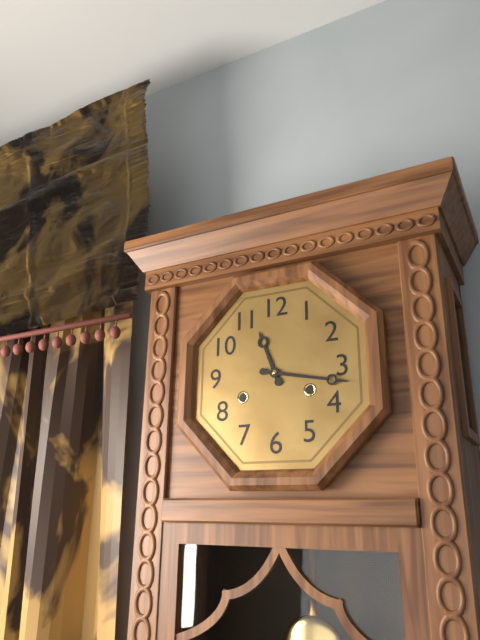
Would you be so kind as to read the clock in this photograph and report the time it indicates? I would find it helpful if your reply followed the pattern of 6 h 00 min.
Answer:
11 h 17 min
